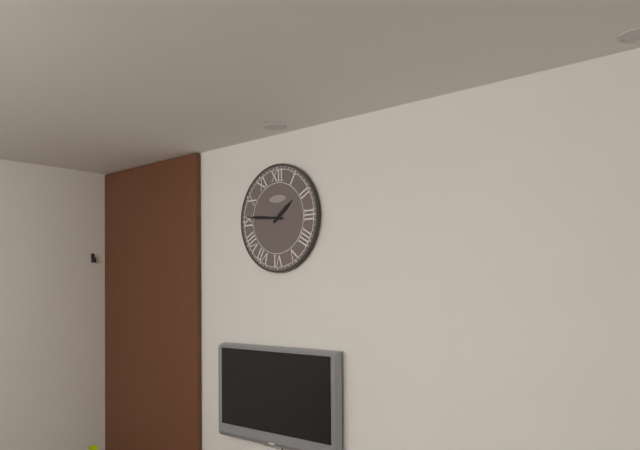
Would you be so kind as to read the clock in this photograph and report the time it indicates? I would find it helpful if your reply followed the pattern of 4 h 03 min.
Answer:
1 h 46 min
